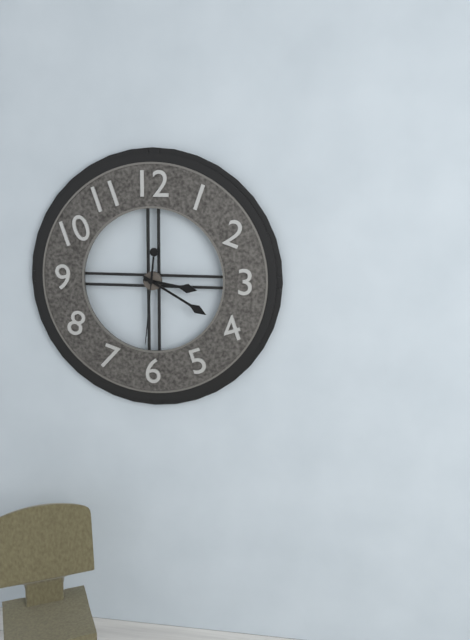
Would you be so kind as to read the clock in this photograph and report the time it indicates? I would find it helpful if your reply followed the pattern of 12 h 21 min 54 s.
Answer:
3 h 20 min 31 s
